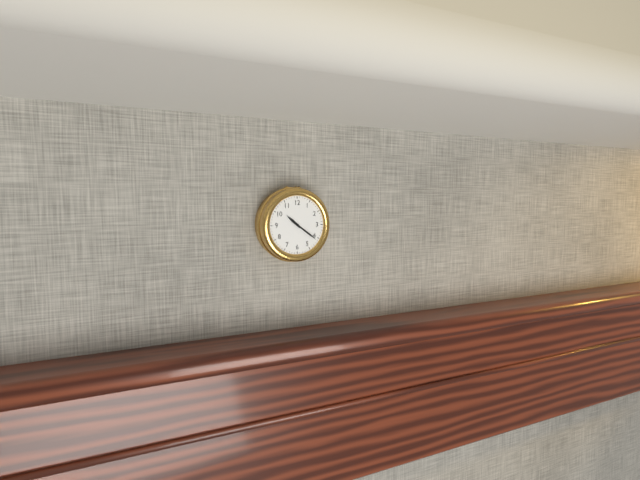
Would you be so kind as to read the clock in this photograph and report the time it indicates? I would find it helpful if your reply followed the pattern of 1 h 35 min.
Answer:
10 h 21 min
